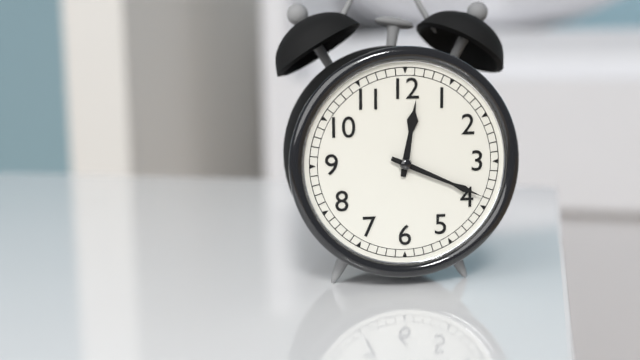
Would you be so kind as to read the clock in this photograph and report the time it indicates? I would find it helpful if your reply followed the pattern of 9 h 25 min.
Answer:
12 h 19 min
